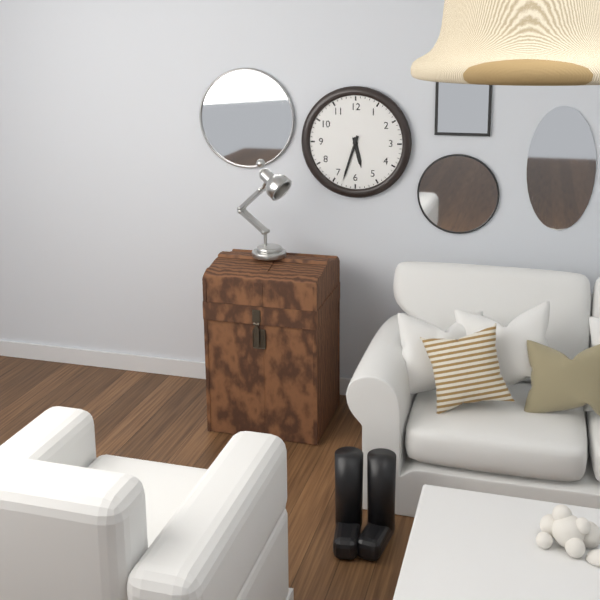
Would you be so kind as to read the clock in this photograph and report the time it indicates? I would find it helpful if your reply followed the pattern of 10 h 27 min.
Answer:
5 h 33 min
